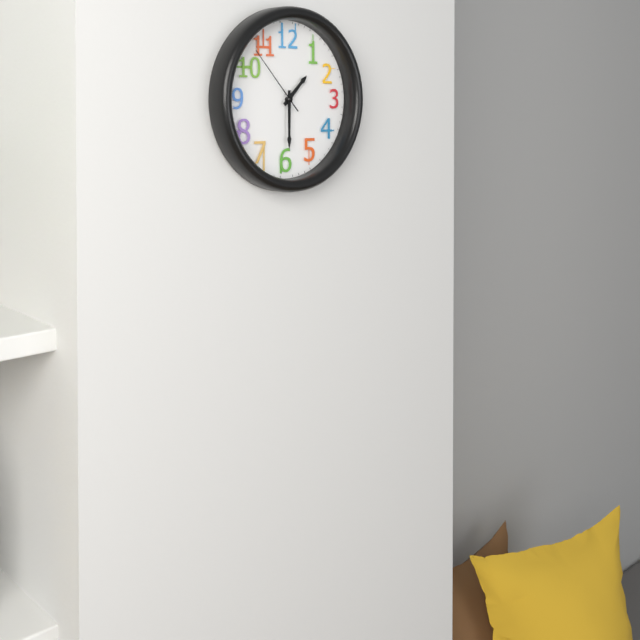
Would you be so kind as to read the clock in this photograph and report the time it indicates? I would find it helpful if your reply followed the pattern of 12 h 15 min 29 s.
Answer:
1 h 30 min 53 s
